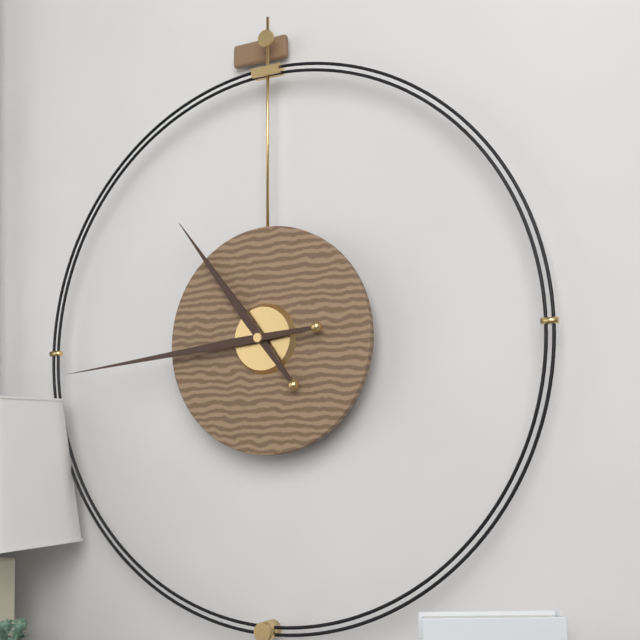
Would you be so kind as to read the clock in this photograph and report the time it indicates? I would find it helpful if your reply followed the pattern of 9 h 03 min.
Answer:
10 h 44 min
